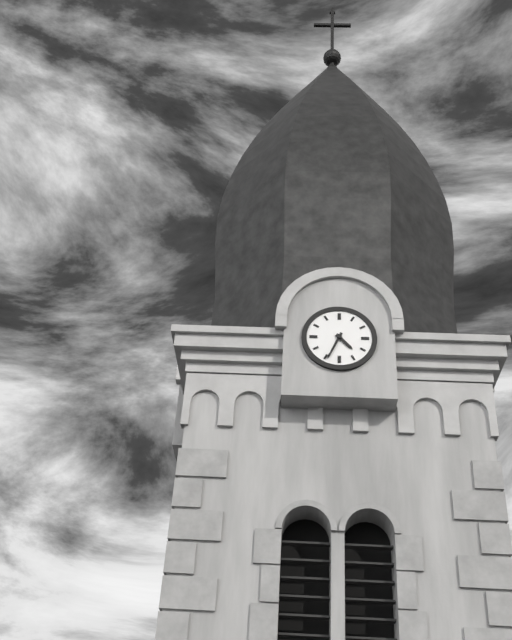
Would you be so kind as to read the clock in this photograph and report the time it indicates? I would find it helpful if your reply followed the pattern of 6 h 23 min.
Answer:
4 h 34 min
